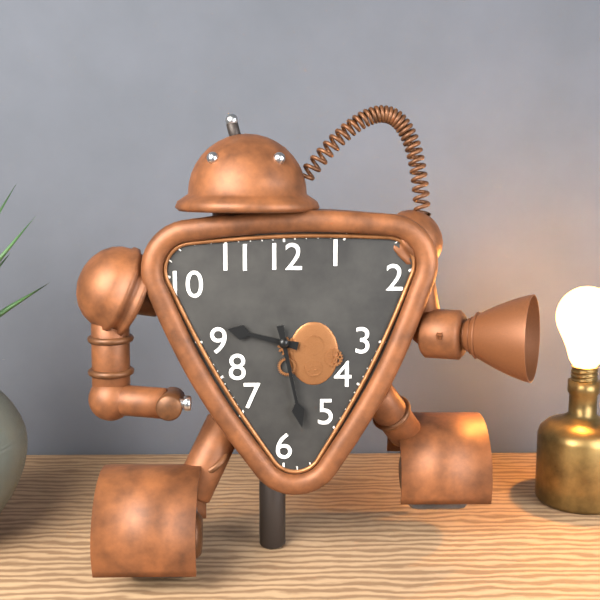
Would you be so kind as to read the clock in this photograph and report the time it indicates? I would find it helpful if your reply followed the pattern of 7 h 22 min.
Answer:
9 h 28 min
